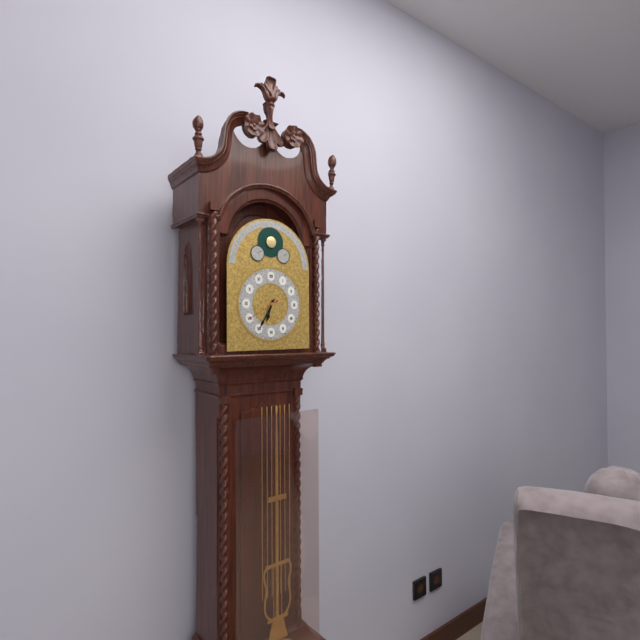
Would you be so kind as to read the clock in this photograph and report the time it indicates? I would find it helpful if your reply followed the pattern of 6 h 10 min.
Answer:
6 h 35 min
